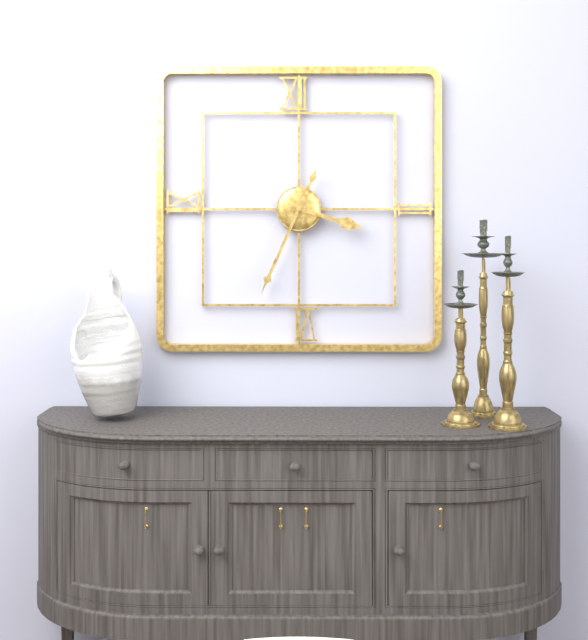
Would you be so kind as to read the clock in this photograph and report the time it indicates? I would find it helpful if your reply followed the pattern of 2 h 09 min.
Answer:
3 h 34 min
